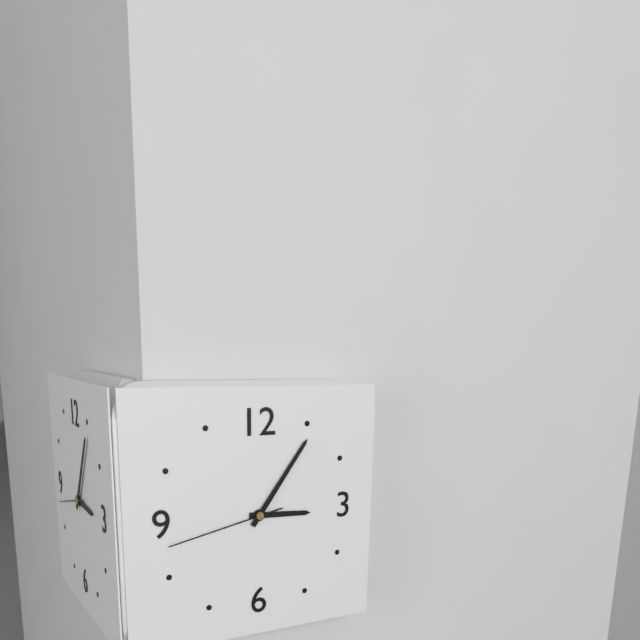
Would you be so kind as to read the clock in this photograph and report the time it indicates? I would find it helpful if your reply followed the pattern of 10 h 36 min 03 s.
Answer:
3 h 06 min 43 s
